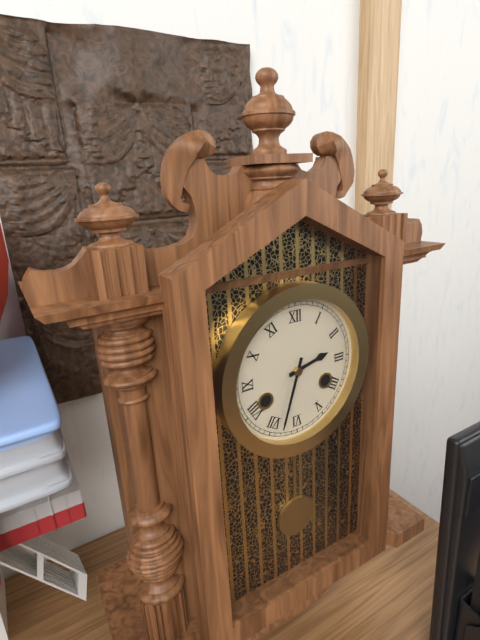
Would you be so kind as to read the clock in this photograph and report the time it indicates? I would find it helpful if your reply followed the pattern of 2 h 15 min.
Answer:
2 h 33 min
